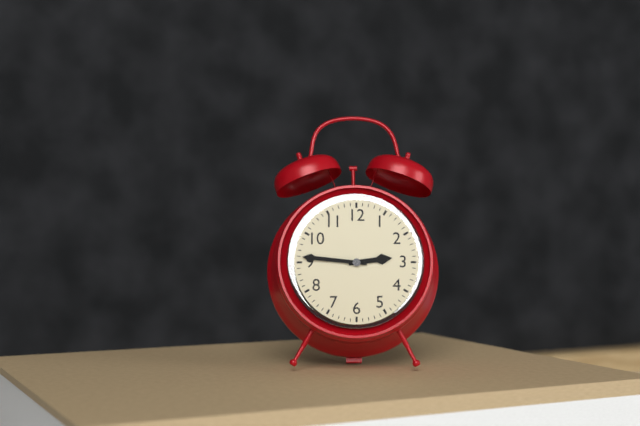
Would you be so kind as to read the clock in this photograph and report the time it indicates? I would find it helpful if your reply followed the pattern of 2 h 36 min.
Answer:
2 h 46 min
